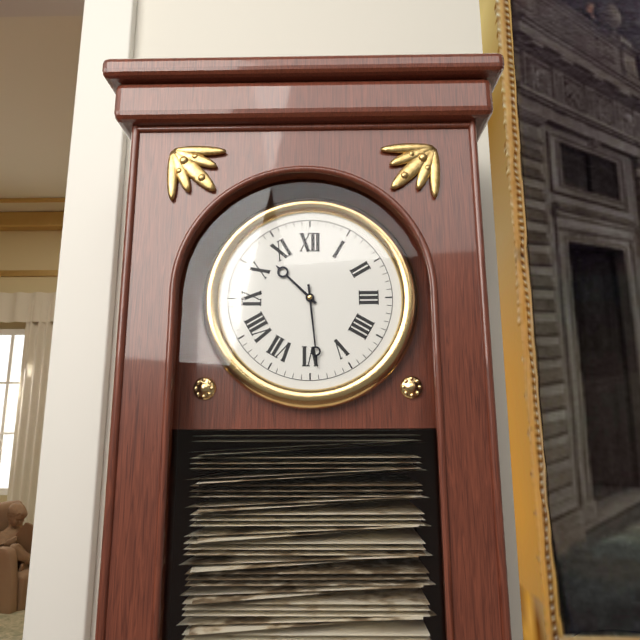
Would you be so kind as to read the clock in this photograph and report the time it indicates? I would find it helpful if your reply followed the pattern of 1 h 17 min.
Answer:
10 h 29 min
